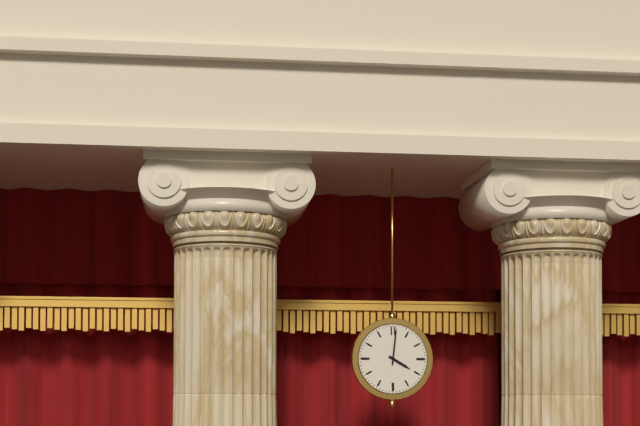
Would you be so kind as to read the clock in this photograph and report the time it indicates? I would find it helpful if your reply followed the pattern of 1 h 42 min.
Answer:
4 h 01 min
